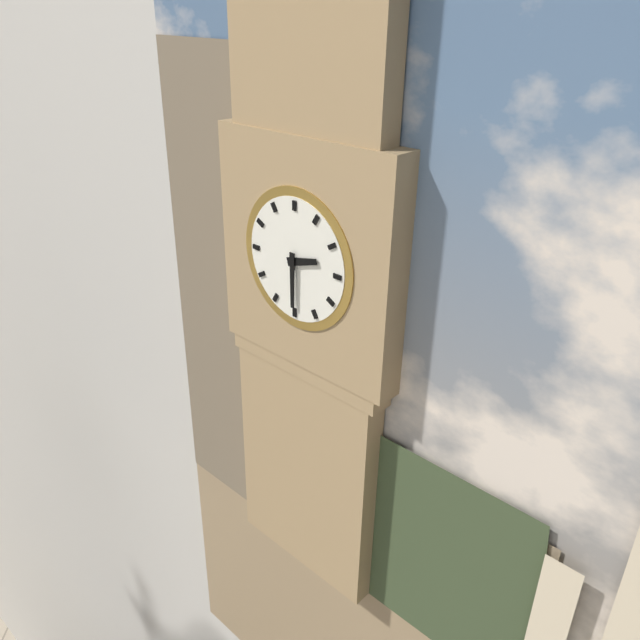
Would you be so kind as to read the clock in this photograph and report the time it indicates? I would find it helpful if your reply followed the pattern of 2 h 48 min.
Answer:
2 h 30 min
